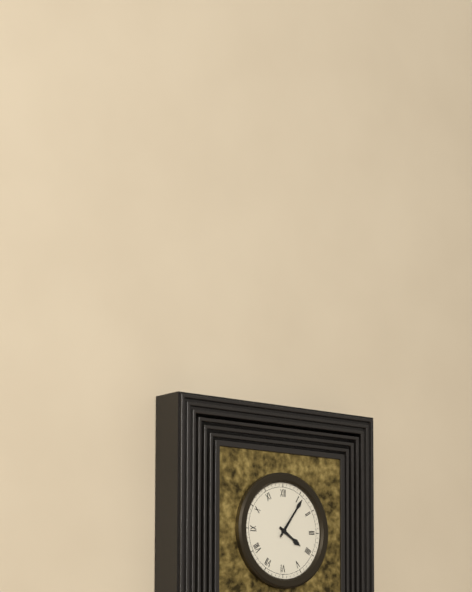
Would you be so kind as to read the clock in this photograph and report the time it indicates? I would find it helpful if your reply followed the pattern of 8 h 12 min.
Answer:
4 h 06 min
